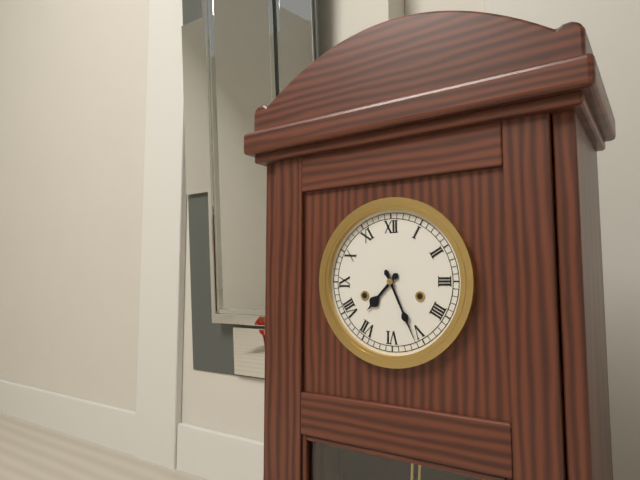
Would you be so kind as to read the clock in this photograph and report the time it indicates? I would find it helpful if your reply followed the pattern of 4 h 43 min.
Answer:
7 h 26 min
